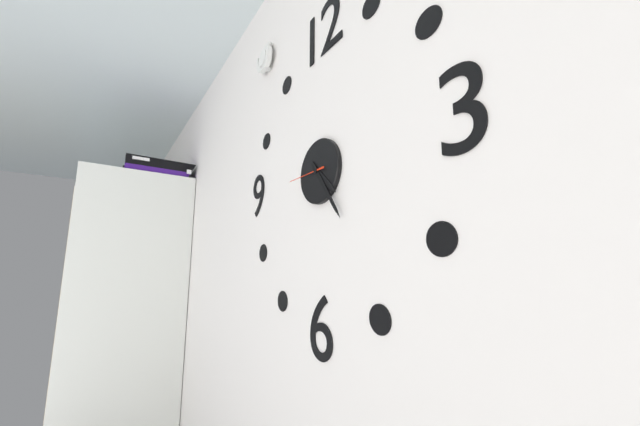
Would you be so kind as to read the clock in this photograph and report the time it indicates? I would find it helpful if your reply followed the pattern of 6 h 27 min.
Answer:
4 h 24 min
